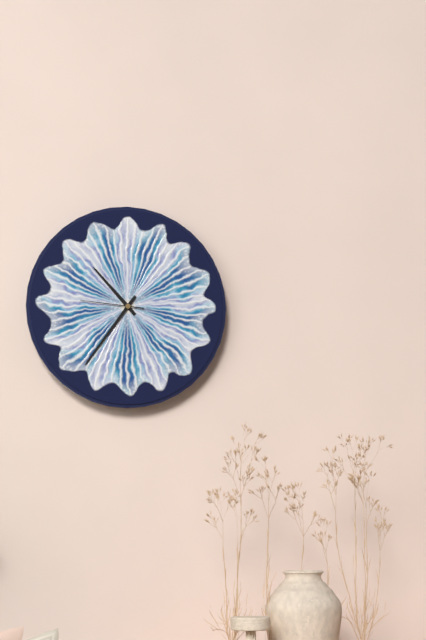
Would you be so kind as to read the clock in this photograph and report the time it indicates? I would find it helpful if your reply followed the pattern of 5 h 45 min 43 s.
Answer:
10 h 36 min 46 s
